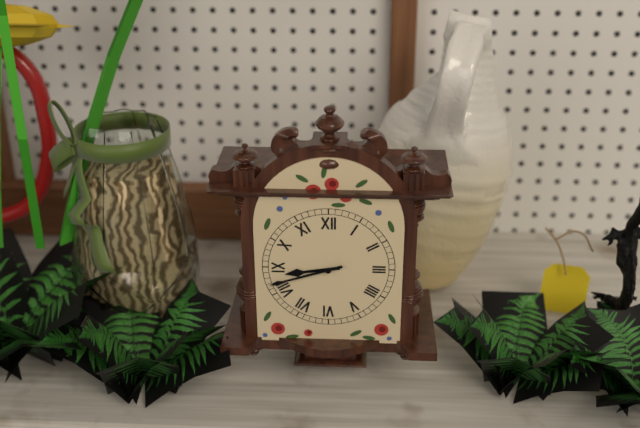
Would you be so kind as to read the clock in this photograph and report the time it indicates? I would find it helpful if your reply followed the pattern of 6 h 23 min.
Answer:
8 h 42 min
